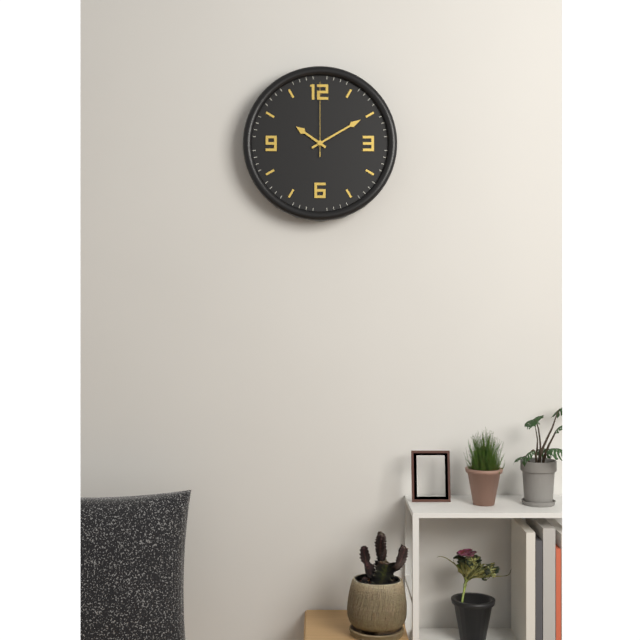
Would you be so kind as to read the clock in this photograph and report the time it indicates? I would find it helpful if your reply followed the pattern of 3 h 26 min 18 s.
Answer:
10 h 10 min 00 s
